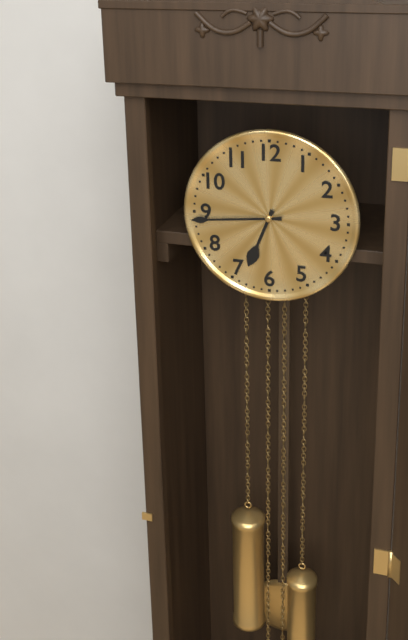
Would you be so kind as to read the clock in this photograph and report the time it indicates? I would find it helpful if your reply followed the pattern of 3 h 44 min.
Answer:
6 h 44 min
